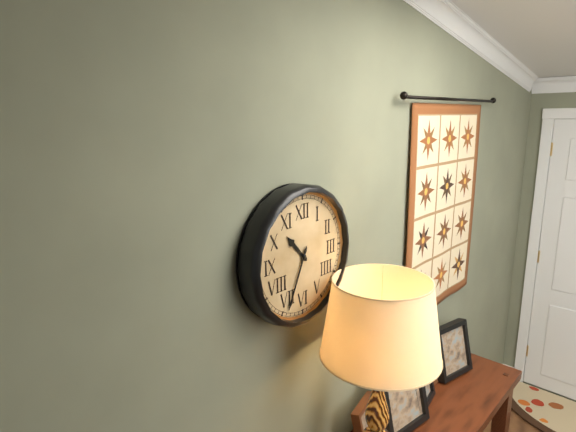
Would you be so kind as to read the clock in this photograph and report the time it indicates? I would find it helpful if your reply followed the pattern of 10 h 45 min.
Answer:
10 h 34 min
